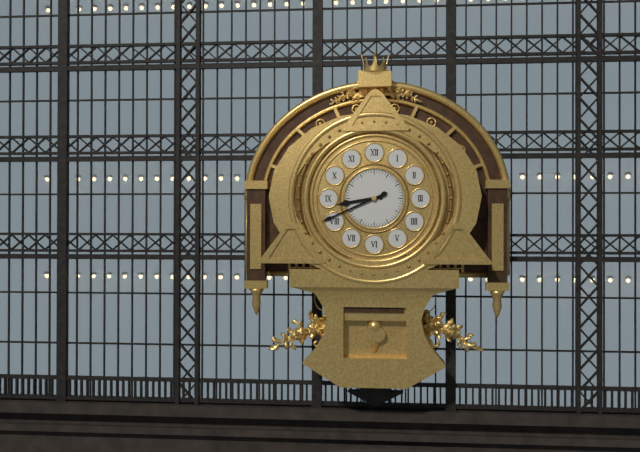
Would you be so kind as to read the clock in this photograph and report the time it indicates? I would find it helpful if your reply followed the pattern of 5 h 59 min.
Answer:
8 h 41 min
